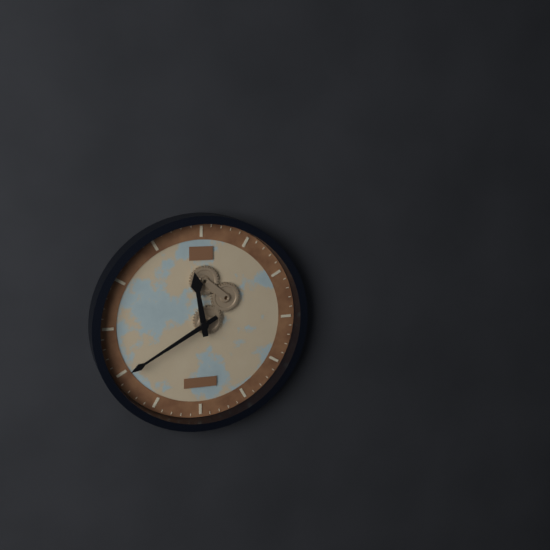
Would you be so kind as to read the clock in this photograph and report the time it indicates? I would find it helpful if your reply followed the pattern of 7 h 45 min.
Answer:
11 h 40 min
